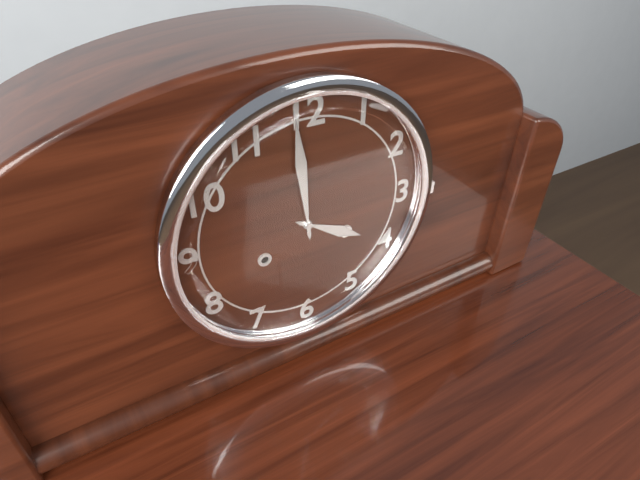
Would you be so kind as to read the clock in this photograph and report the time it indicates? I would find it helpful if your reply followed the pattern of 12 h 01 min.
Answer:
3 h 59 min
